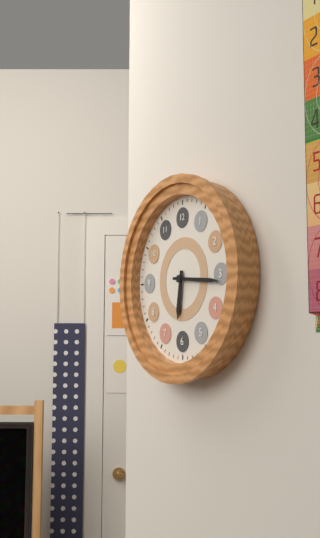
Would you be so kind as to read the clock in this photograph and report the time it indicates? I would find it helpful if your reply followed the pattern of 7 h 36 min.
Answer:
6 h 16 min
